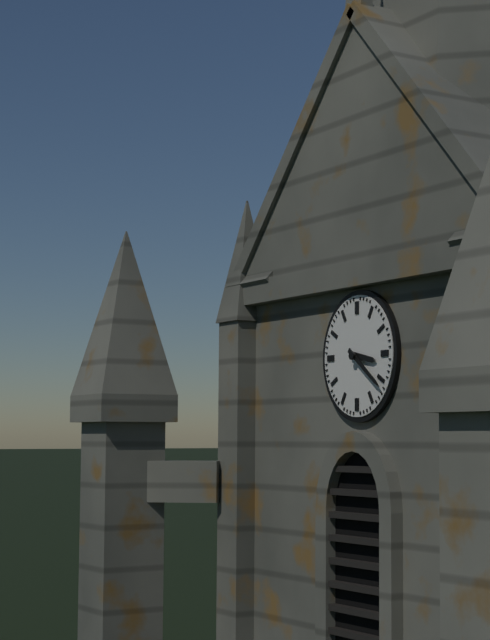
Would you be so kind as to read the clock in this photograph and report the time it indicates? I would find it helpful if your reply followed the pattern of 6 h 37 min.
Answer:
3 h 21 min
